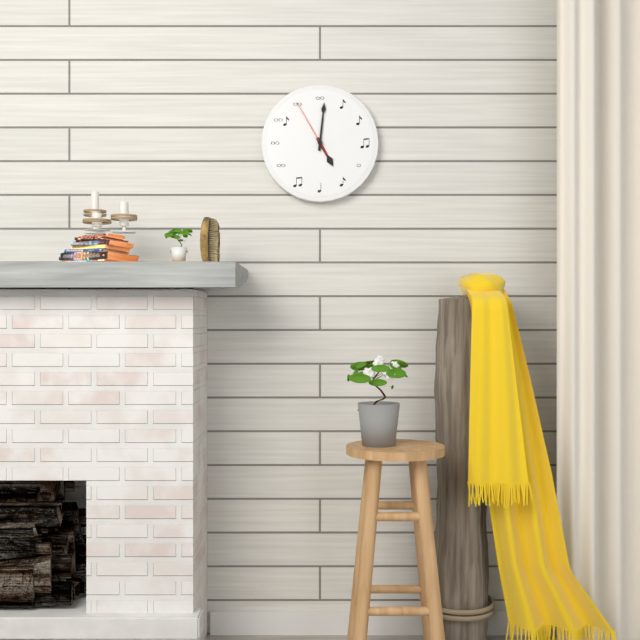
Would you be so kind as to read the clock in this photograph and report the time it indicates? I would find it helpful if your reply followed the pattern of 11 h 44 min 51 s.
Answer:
5 h 01 min 55 s
